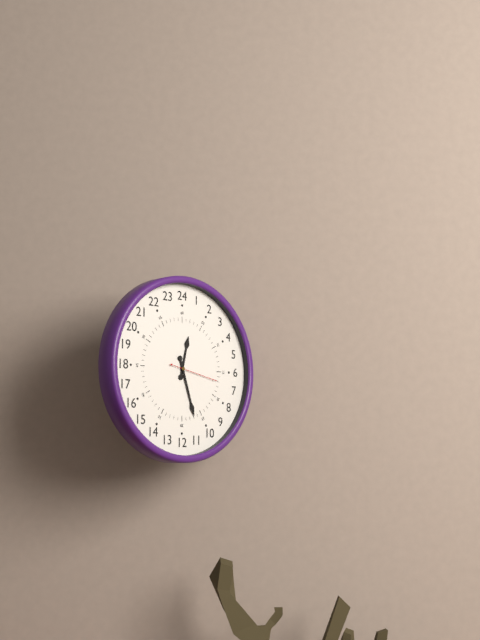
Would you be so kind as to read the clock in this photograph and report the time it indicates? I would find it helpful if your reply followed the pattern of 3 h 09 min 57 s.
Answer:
12 h 27 min 17 s
